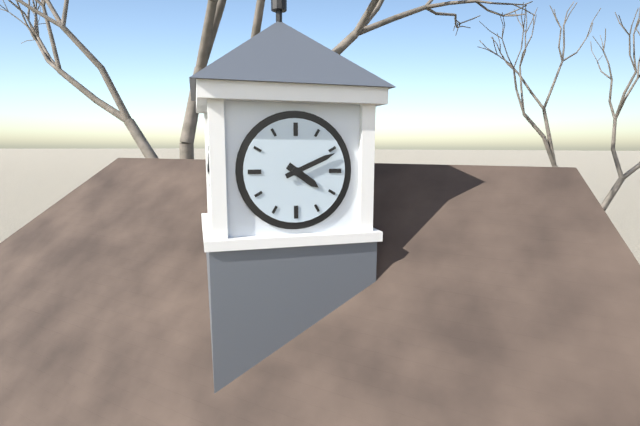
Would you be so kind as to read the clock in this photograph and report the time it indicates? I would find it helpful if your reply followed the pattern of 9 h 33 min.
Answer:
4 h 11 min
